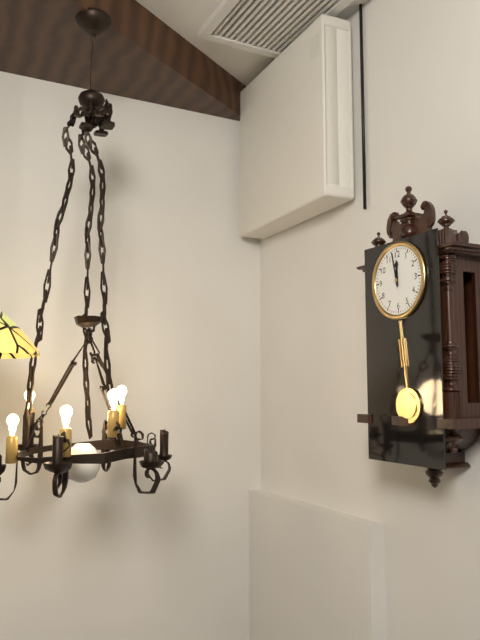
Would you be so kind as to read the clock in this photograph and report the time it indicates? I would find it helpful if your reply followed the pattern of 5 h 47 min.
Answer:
11 h 58 min
